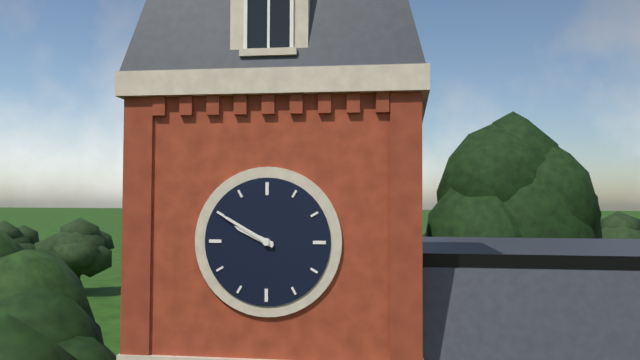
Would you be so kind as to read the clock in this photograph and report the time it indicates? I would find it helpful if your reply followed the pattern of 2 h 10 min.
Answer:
9 h 50 min
